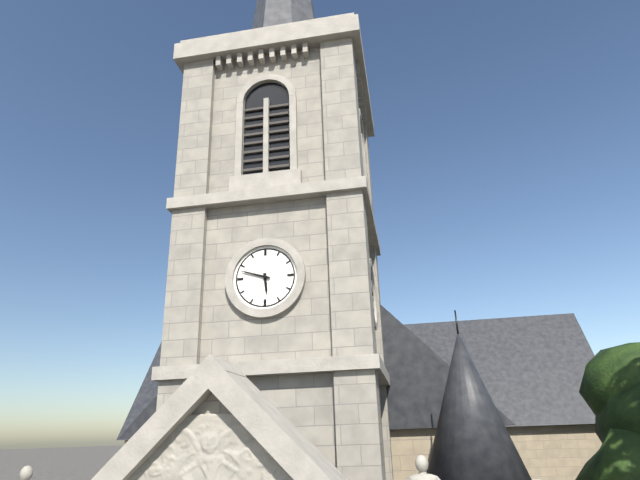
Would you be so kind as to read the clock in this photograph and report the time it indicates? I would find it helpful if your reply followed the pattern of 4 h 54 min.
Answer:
5 h 48 min
